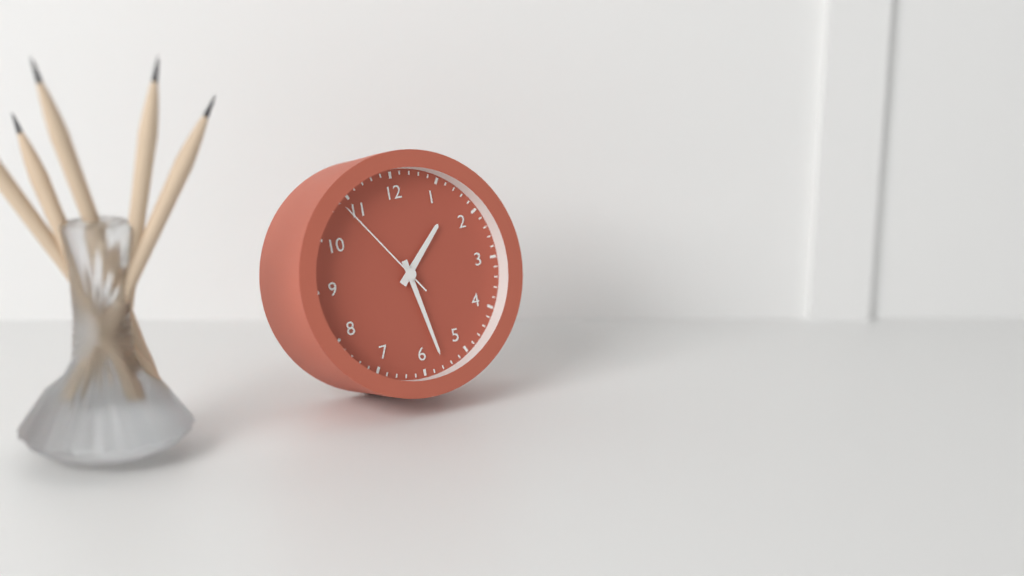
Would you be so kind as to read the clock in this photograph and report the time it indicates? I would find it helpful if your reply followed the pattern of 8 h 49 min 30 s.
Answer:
1 h 28 min 54 s
